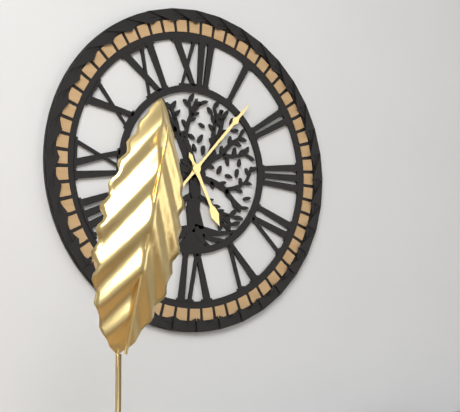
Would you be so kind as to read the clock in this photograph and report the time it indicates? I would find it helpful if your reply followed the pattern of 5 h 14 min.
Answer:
5 h 07 min
